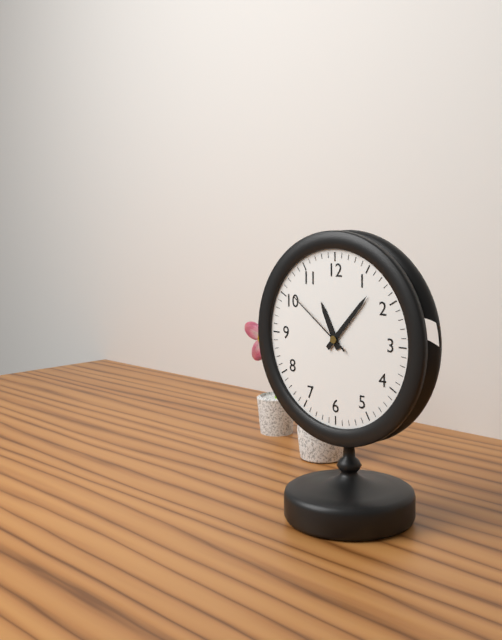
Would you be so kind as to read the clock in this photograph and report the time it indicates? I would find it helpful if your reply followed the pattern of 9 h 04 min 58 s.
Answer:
11 h 07 min 51 s
